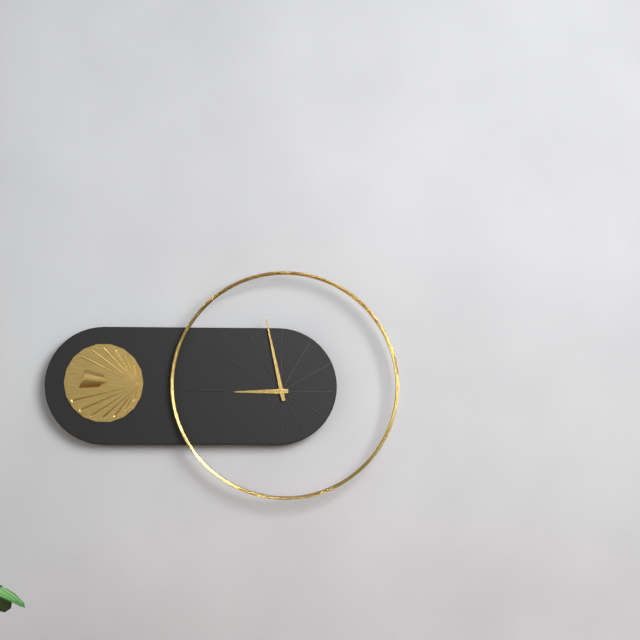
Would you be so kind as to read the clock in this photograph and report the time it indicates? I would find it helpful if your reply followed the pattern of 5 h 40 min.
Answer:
8 h 58 min
